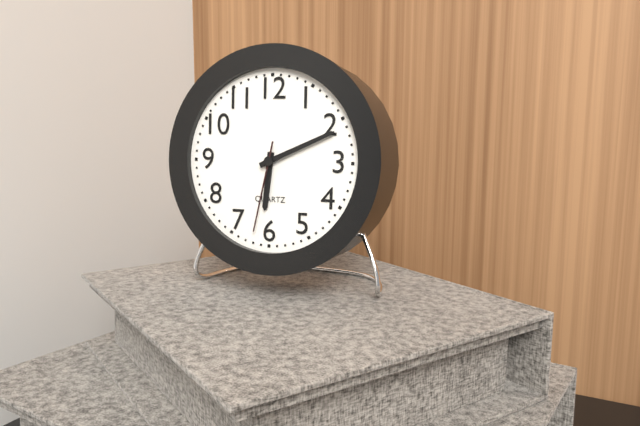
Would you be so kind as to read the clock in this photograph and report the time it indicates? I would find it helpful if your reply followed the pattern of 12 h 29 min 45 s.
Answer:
6 h 11 min 32 s
